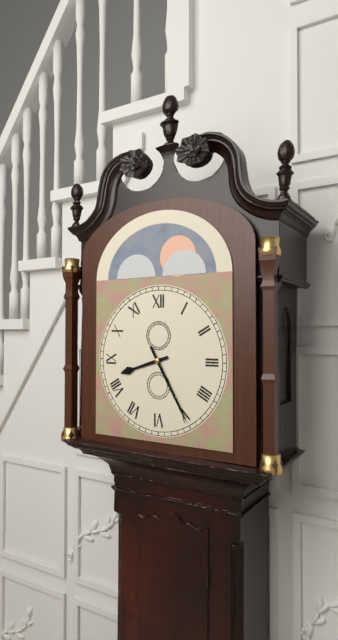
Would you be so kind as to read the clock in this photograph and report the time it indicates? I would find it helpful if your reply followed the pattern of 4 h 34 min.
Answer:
8 h 25 min
